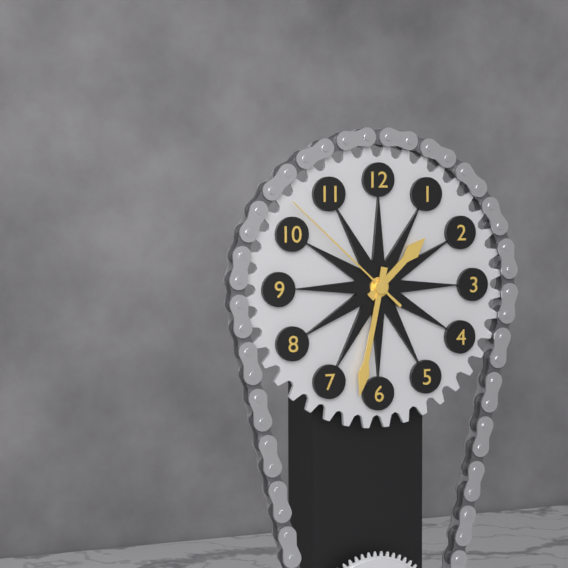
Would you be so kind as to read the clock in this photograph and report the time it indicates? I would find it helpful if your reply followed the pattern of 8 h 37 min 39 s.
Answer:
1 h 32 min 52 s
